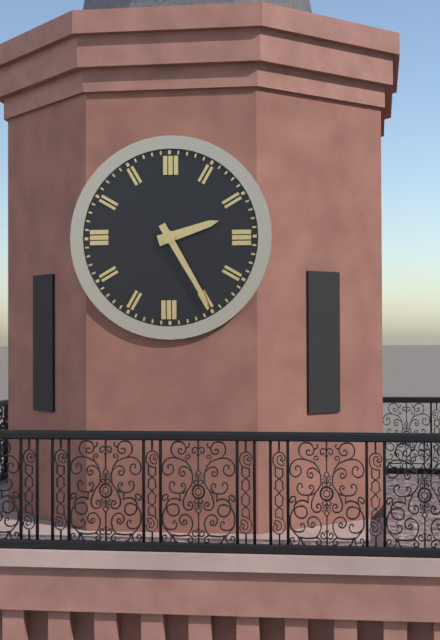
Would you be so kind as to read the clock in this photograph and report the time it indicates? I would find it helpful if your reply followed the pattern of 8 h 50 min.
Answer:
2 h 25 min
